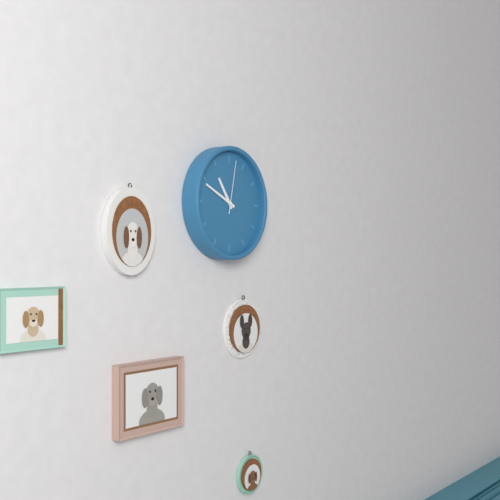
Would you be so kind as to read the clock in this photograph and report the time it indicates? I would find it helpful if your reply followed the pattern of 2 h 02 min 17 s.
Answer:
10 h 49 min 02 s
